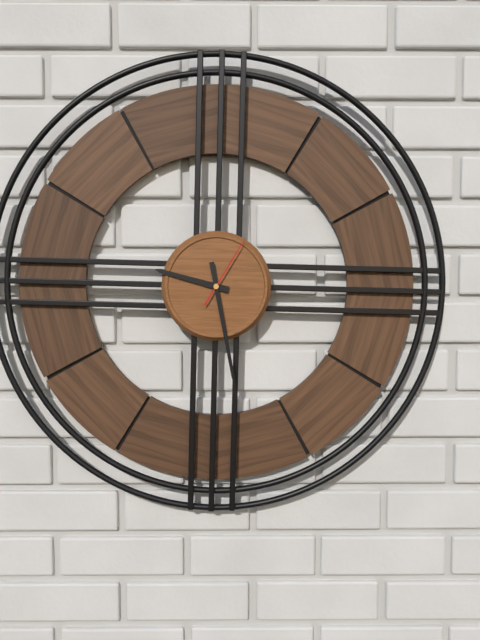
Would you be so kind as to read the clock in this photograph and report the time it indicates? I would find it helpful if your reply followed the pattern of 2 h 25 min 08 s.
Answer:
9 h 28 min 05 s
